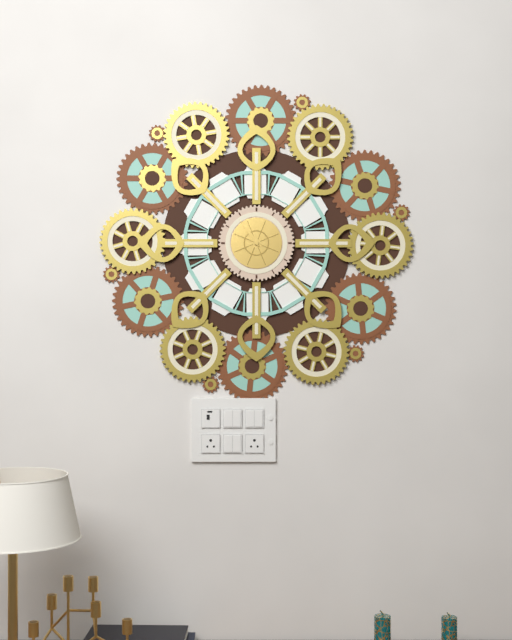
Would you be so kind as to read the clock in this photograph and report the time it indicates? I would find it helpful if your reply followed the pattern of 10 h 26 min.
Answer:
10 h 54 min
